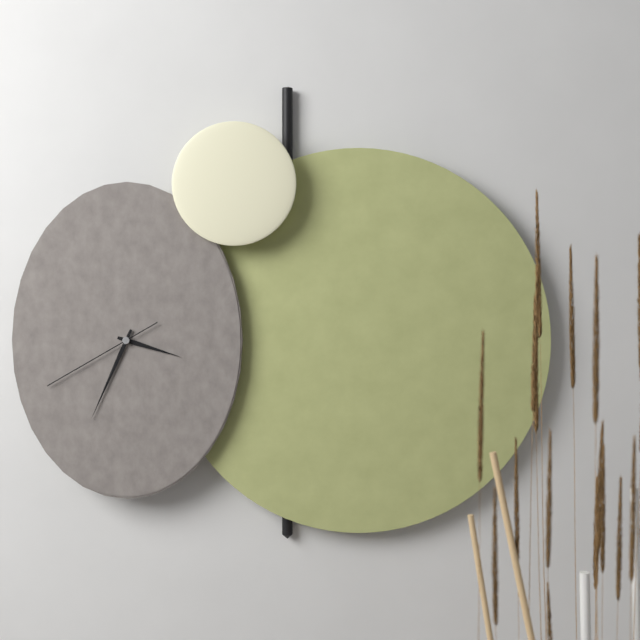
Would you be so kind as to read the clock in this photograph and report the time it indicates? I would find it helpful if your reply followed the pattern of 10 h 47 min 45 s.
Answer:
3 h 34 min 40 s
